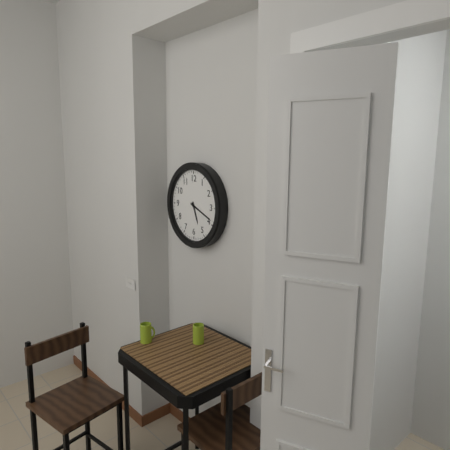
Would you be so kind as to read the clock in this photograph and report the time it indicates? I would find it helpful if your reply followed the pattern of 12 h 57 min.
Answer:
5 h 19 min
